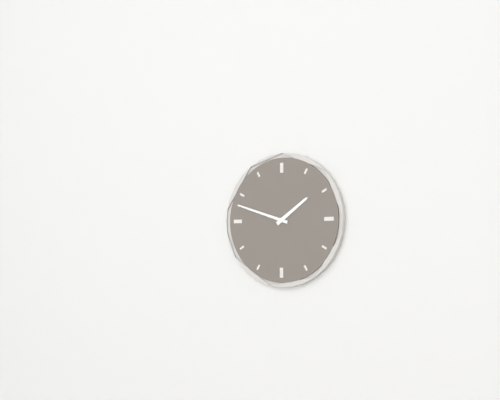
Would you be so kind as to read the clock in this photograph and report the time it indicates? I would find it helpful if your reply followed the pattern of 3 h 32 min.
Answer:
1 h 48 min
